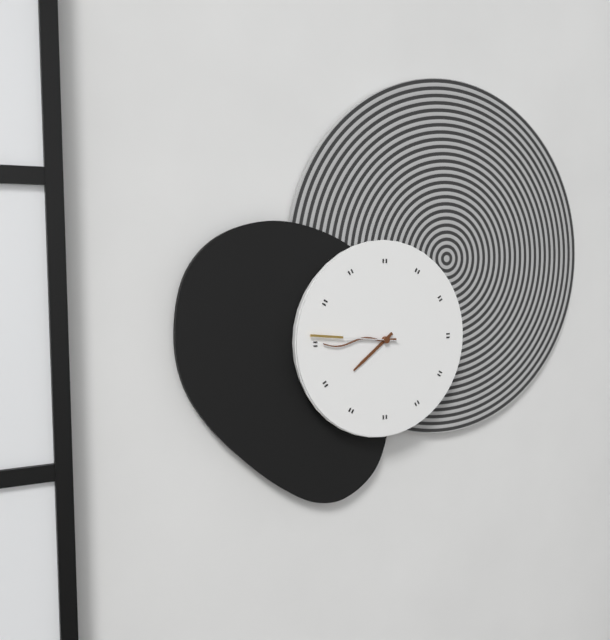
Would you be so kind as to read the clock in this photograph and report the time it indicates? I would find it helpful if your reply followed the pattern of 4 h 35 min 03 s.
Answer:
7 h 45 min 46 s
